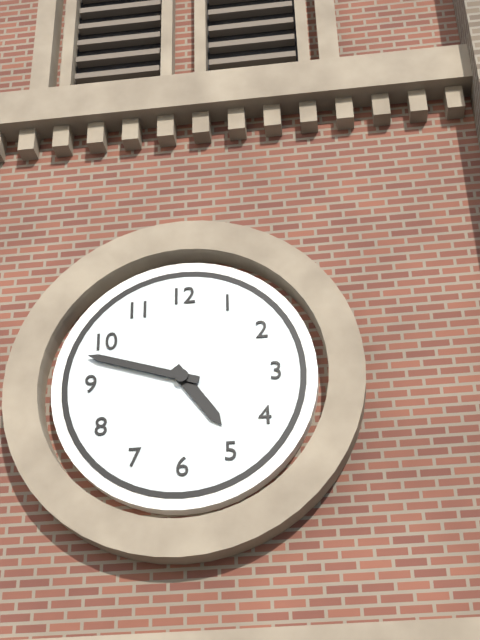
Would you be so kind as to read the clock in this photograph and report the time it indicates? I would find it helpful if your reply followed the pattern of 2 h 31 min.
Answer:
4 h 48 min
